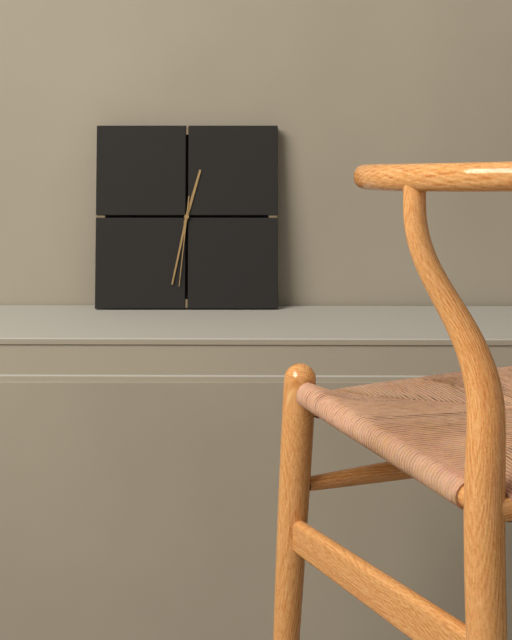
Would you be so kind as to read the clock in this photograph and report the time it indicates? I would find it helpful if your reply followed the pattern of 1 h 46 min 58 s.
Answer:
12 h 32 min 31 s
